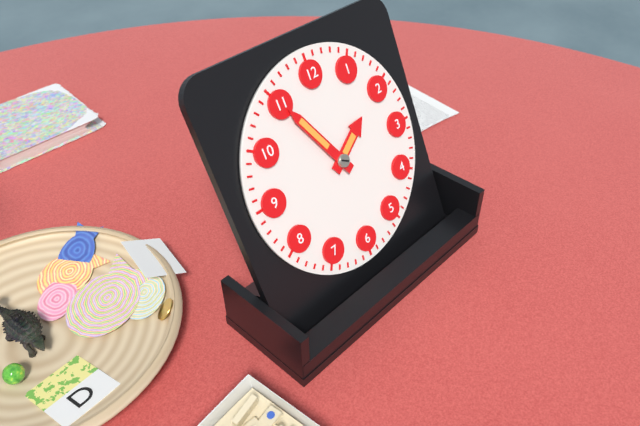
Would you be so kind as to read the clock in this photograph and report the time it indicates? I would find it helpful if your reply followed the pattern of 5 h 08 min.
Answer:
1 h 55 min
